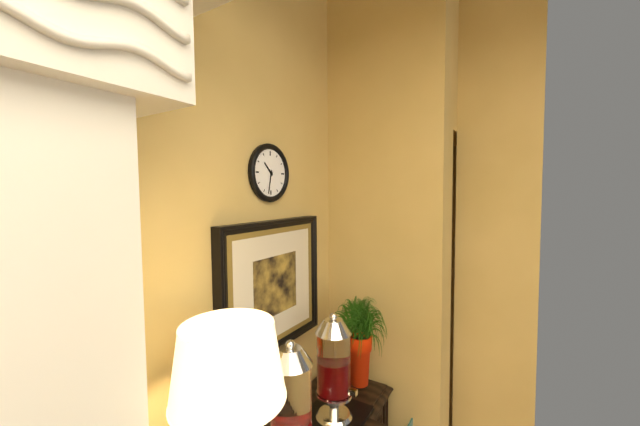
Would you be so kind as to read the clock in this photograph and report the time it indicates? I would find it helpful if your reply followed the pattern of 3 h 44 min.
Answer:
10 h 32 min
